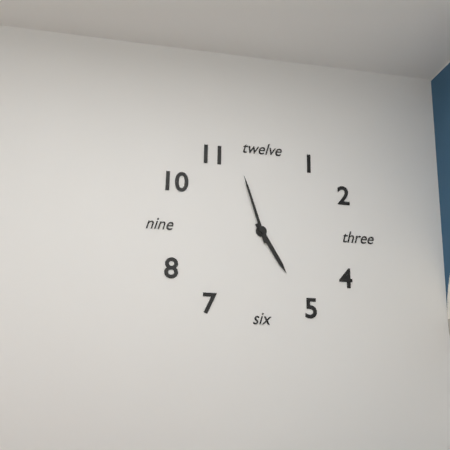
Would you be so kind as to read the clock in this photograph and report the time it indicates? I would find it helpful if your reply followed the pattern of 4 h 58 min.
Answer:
4 h 57 min
